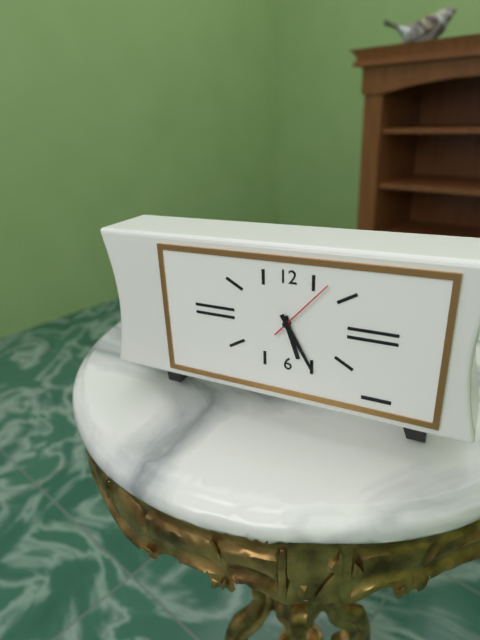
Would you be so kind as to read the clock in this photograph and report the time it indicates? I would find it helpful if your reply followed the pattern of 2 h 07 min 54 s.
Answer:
5 h 25 min 07 s
